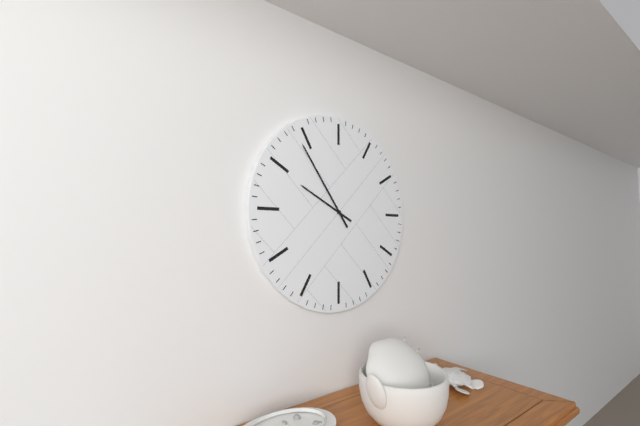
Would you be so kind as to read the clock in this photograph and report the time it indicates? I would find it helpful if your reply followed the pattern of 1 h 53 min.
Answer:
9 h 54 min
